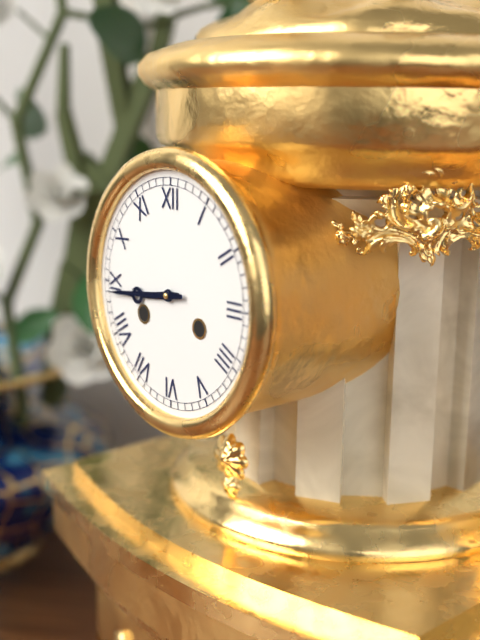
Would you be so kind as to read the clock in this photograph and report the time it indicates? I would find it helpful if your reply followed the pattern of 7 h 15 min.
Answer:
8 h 44 min
